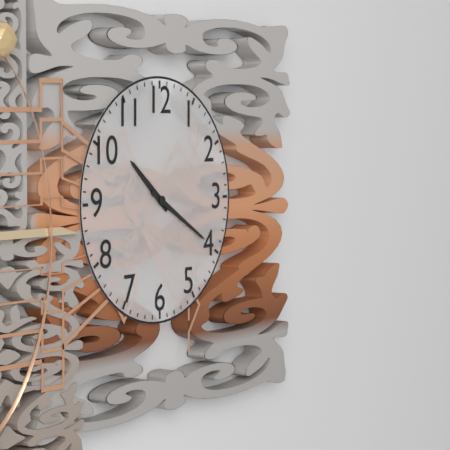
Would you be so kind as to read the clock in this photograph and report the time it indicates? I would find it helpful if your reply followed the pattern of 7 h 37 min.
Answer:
10 h 20 min
